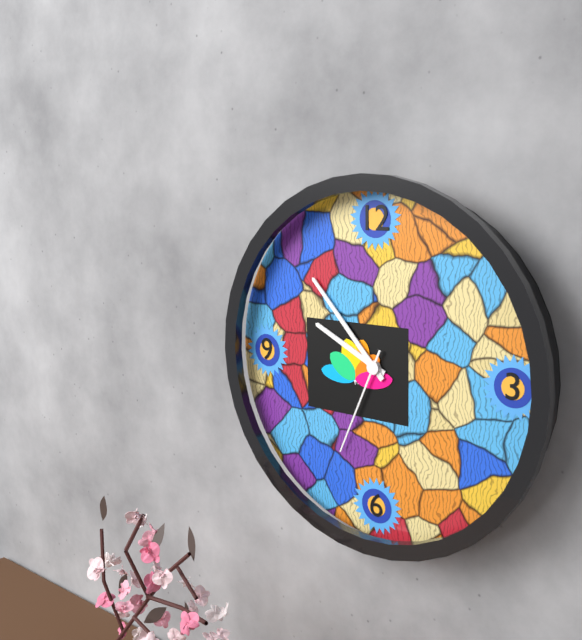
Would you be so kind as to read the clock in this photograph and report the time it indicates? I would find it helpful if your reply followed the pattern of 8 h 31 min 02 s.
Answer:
9 h 53 min 34 s
